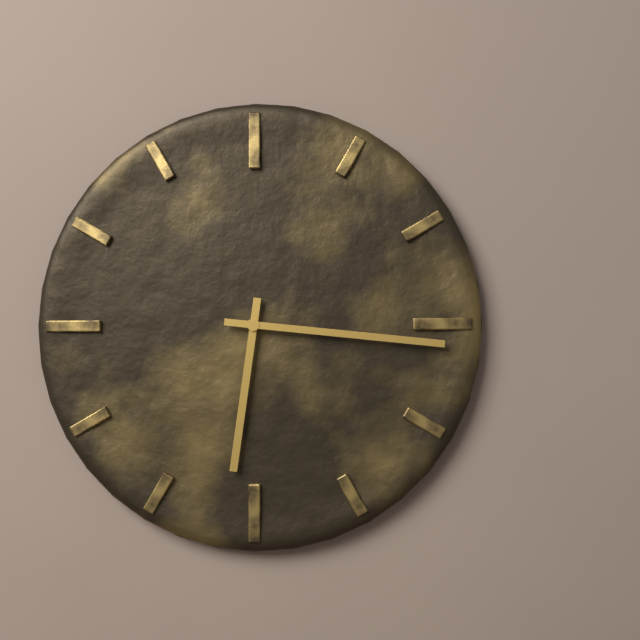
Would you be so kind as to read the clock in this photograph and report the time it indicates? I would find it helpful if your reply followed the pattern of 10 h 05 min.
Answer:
6 h 16 min
